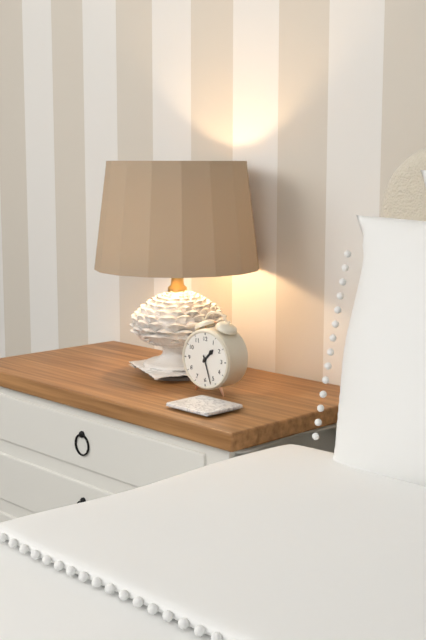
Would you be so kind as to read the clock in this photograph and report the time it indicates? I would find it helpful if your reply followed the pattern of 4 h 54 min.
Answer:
1 h 27 min
